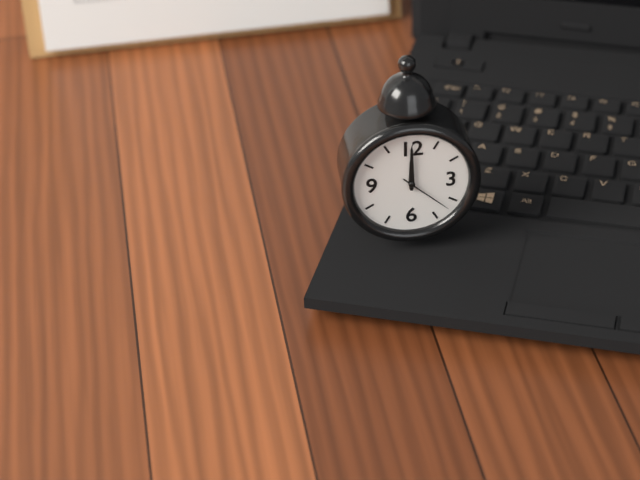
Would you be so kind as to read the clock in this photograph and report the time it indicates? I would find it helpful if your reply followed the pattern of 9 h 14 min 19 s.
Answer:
12 h 00 min 22 s
